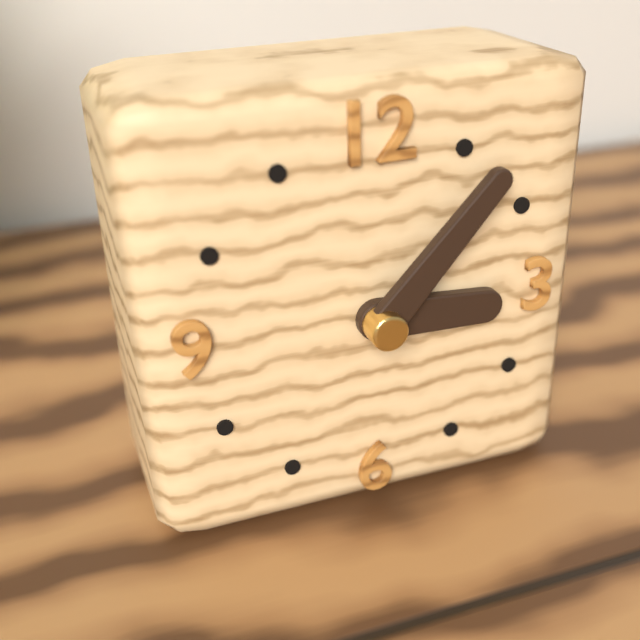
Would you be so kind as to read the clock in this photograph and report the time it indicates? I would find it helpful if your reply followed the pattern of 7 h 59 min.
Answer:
3 h 07 min
